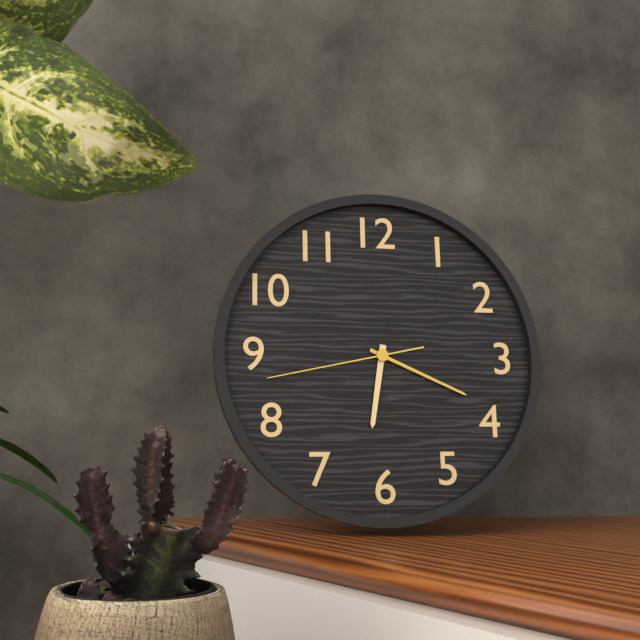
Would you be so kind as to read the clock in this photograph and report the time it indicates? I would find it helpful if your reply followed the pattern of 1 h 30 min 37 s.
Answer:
6 h 19 min 43 s
